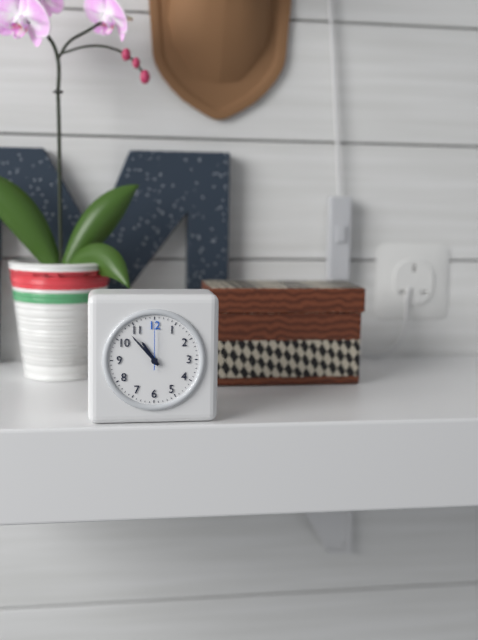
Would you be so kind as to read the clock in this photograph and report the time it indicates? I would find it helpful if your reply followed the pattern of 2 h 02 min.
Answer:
10 h 53 min
